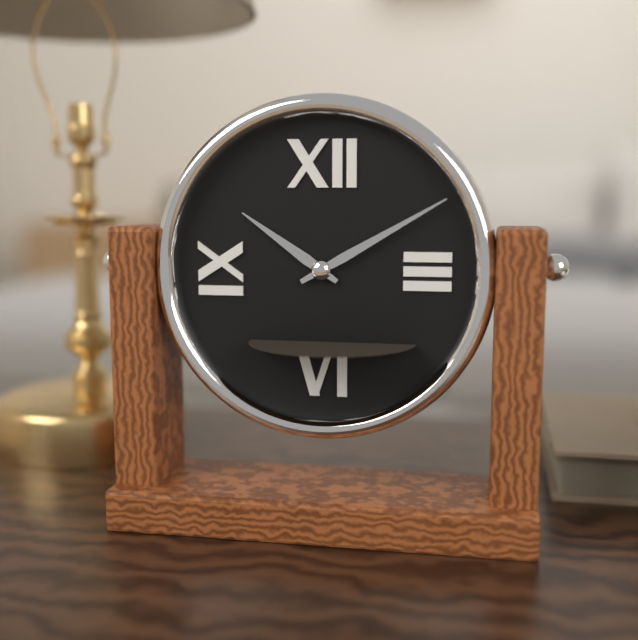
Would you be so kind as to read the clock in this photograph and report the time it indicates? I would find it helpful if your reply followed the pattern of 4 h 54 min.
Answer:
10 h 10 min
